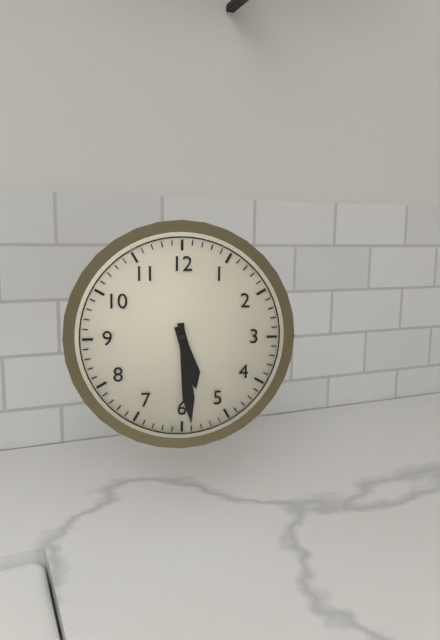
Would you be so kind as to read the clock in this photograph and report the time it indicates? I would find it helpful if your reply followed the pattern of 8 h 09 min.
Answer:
5 h 29 min
